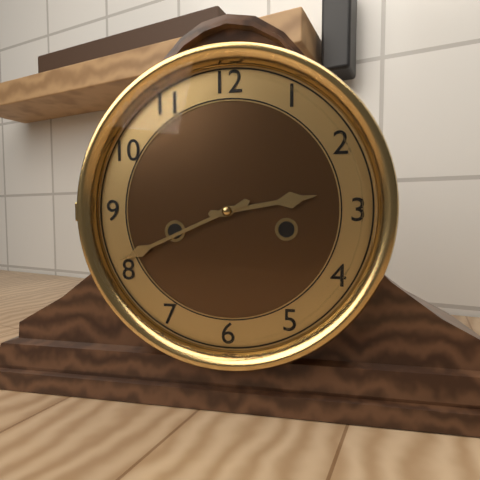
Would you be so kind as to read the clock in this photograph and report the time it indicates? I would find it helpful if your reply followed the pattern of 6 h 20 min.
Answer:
2 h 41 min
